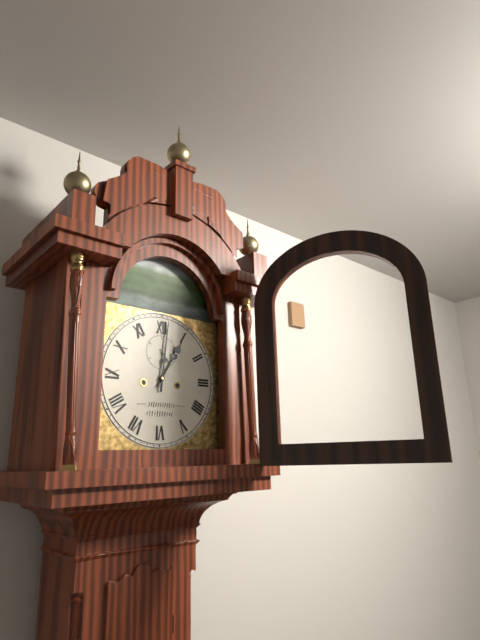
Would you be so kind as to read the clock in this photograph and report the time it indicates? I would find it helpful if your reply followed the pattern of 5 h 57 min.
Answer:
1 h 01 min
